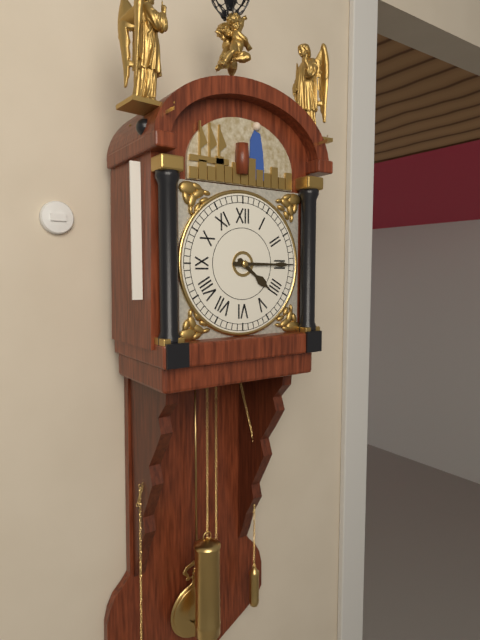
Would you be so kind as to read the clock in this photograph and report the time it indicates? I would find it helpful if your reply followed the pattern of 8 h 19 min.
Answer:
4 h 15 min
